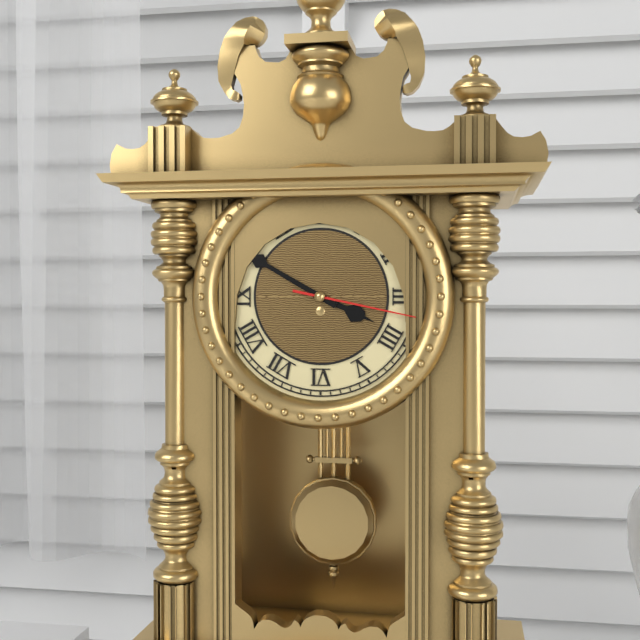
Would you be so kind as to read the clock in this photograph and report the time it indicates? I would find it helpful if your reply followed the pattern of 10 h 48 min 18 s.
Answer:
3 h 50 min 17 s
